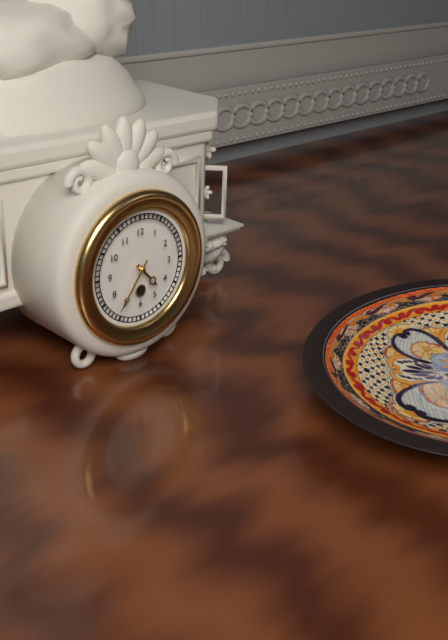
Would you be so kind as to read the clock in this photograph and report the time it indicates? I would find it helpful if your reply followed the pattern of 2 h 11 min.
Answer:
4 h 36 min
